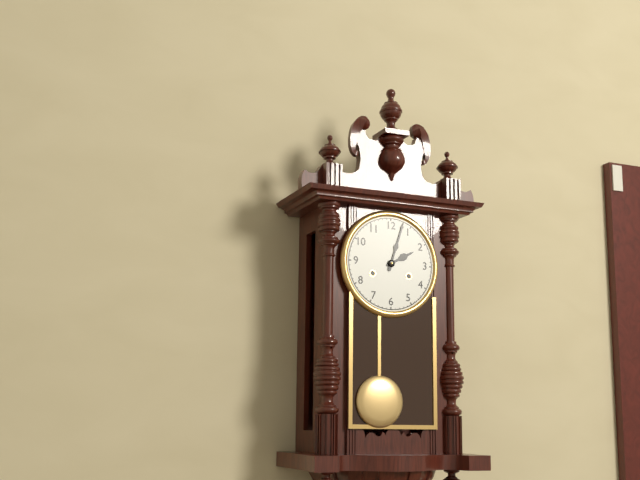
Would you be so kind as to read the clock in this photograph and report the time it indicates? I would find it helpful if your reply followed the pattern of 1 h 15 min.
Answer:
2 h 03 min
